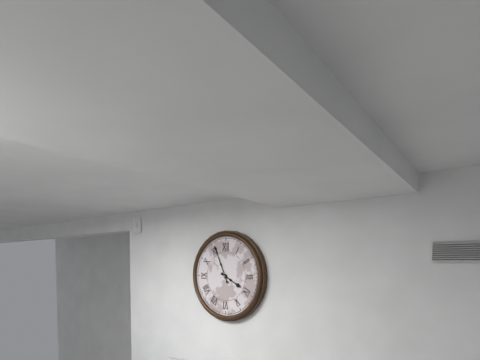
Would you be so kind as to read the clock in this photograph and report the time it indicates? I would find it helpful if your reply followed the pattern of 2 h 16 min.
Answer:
3 h 56 min
